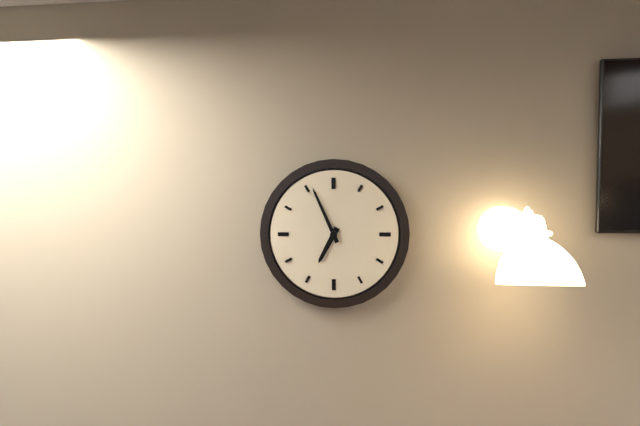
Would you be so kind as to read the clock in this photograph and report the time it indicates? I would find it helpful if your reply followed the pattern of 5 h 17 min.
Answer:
6 h 56 min
